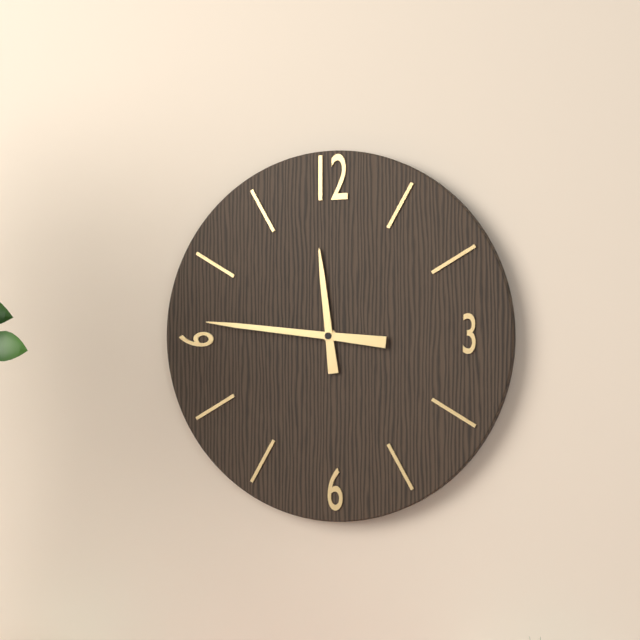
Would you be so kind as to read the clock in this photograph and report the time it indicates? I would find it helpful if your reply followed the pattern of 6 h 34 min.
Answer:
11 h 46 min
